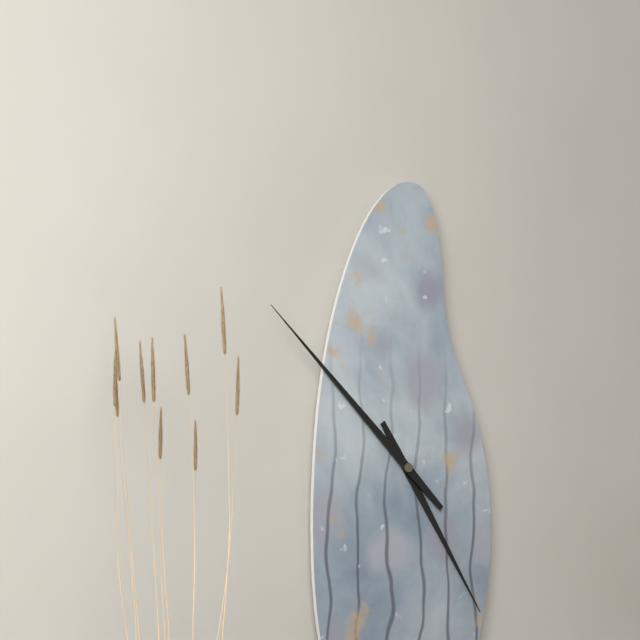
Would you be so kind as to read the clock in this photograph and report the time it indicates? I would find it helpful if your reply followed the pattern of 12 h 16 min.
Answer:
4 h 52 min
